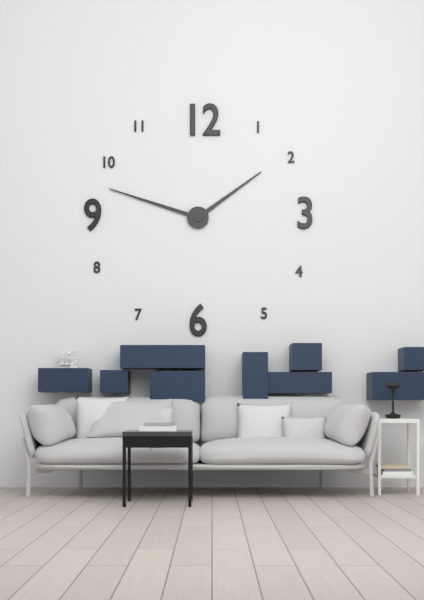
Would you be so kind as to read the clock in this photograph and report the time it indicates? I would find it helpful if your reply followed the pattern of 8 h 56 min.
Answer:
1 h 48 min
